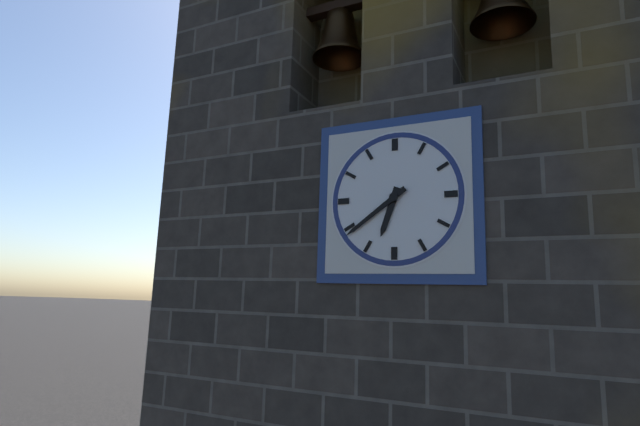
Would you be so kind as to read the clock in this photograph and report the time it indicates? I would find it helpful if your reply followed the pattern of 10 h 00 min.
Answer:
6 h 39 min
